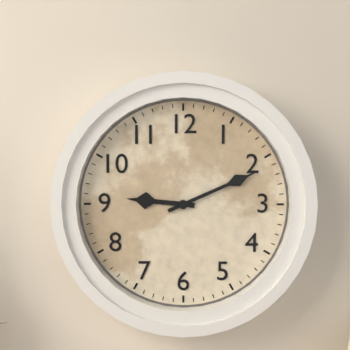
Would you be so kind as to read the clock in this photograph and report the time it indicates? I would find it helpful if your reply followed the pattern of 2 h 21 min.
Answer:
9 h 11 min
